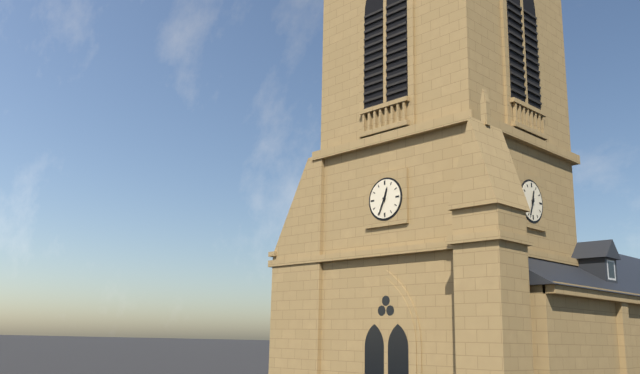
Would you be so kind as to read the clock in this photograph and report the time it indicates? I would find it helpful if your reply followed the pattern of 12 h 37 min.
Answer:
12 h 34 min
